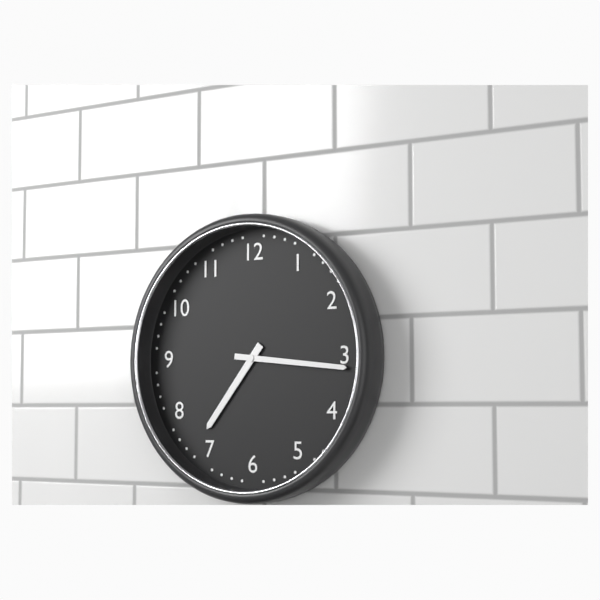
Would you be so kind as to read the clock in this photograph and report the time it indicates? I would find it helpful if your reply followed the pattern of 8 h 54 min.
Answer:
7 h 16 min
